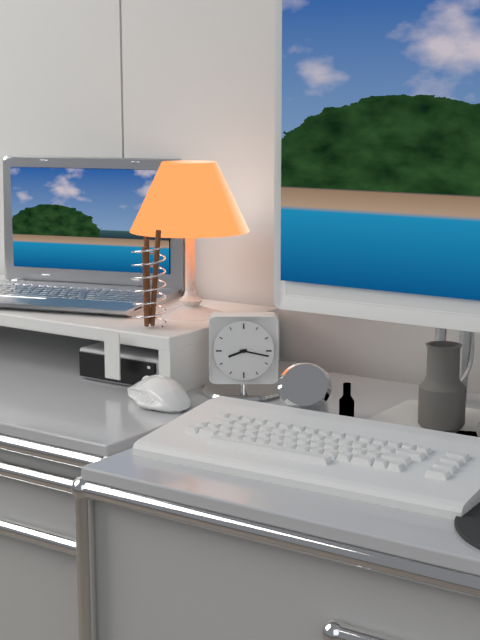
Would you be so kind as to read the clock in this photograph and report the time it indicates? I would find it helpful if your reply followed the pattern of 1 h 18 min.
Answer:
8 h 17 min
